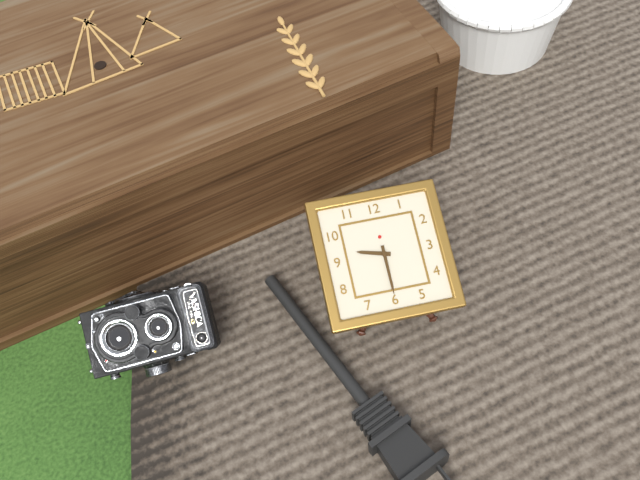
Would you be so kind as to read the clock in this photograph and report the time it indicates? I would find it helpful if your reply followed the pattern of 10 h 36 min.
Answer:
9 h 30 min
